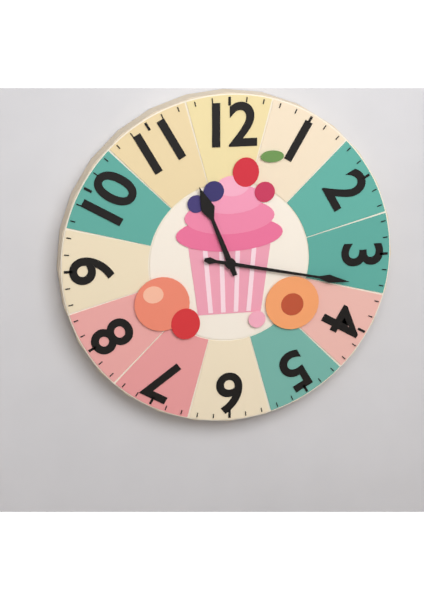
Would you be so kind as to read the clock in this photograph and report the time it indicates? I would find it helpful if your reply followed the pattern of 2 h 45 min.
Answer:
11 h 17 min
